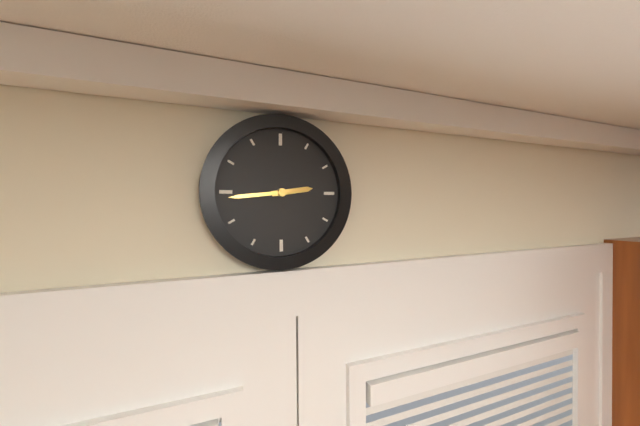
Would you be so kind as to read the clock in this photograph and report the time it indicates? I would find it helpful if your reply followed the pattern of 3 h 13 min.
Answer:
2 h 44 min
